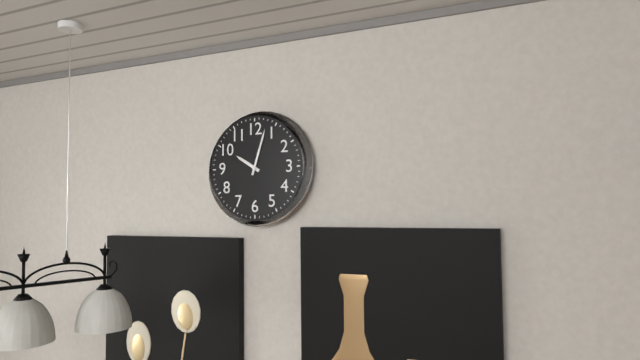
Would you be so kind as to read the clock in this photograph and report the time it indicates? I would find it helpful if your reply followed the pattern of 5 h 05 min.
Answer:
10 h 03 min
